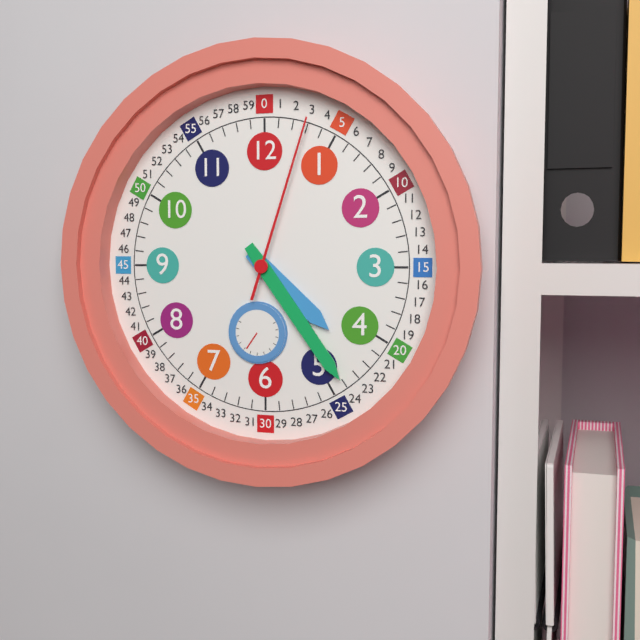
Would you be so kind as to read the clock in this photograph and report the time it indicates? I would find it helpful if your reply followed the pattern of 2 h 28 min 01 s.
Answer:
4 h 24 min 03 s
